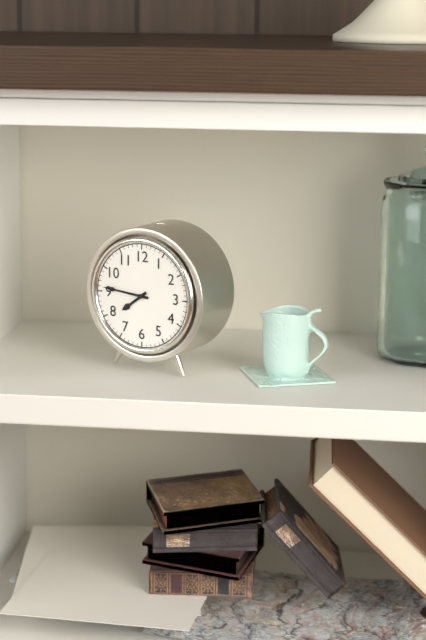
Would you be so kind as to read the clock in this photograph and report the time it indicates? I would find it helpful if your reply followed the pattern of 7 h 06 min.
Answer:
7 h 46 min
